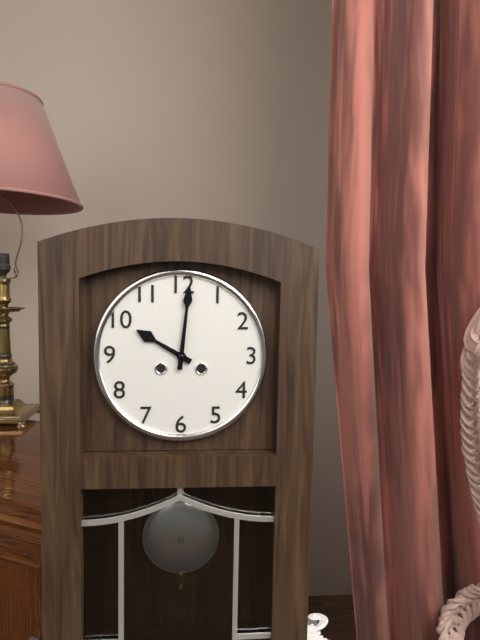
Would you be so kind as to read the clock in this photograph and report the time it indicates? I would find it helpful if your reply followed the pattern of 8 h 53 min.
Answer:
10 h 01 min
